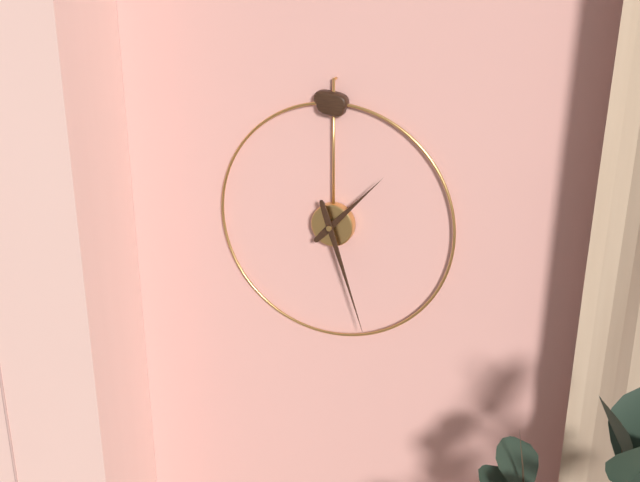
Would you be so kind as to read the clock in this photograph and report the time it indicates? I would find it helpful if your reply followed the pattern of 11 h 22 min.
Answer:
1 h 27 min
